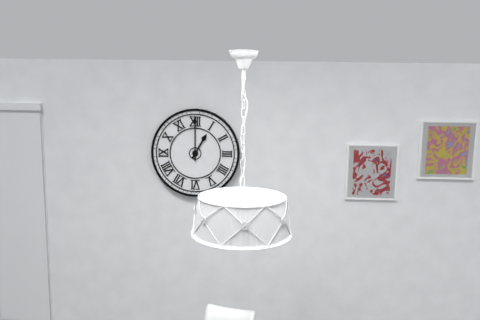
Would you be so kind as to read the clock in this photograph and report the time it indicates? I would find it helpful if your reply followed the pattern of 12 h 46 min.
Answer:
1 h 00 min
